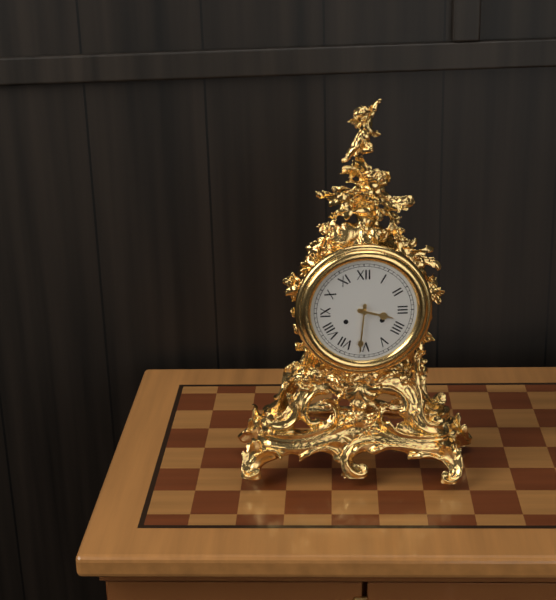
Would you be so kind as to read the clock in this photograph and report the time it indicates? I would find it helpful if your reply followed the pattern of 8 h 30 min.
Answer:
3 h 31 min
